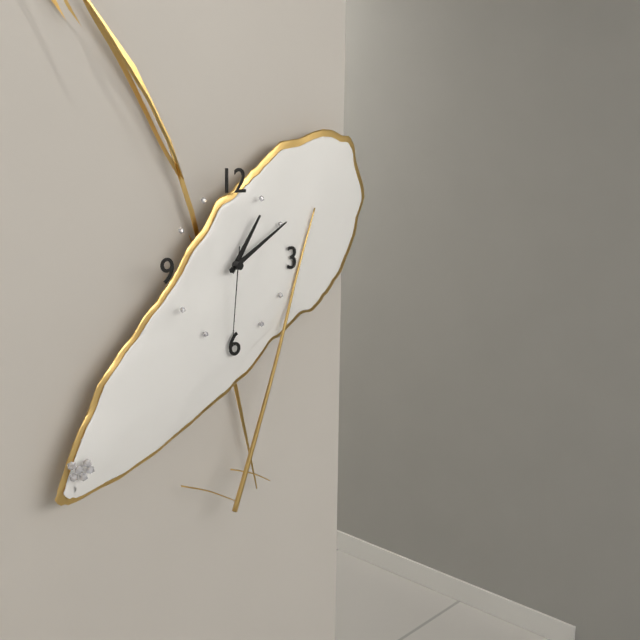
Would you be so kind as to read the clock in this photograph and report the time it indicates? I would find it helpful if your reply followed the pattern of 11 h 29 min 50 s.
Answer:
1 h 10 min 31 s
